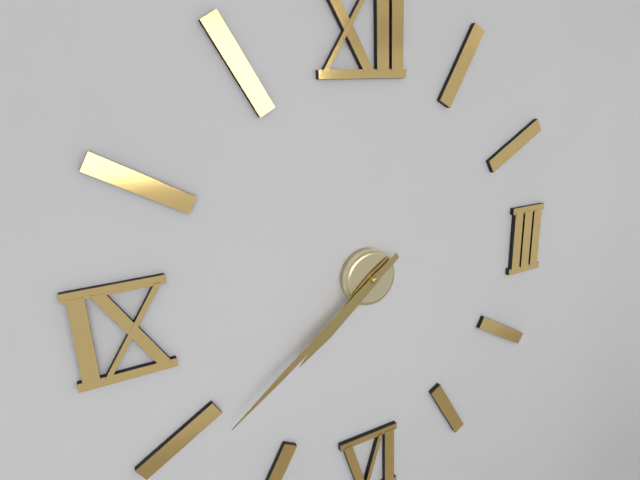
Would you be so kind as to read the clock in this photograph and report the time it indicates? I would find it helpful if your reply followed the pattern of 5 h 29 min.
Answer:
7 h 39 min
